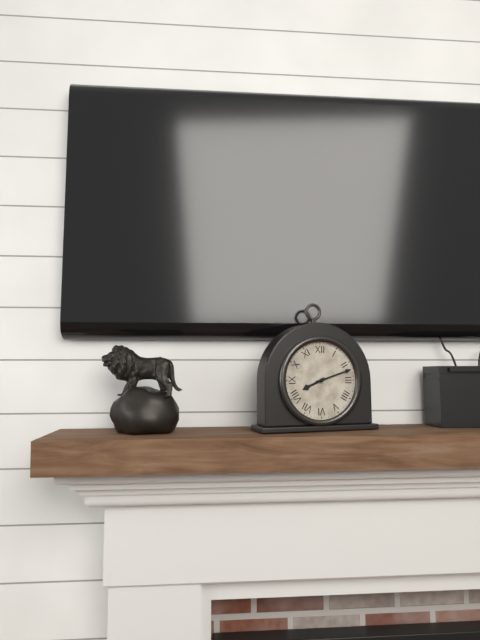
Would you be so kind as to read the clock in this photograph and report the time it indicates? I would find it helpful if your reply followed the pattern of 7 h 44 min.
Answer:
8 h 12 min
